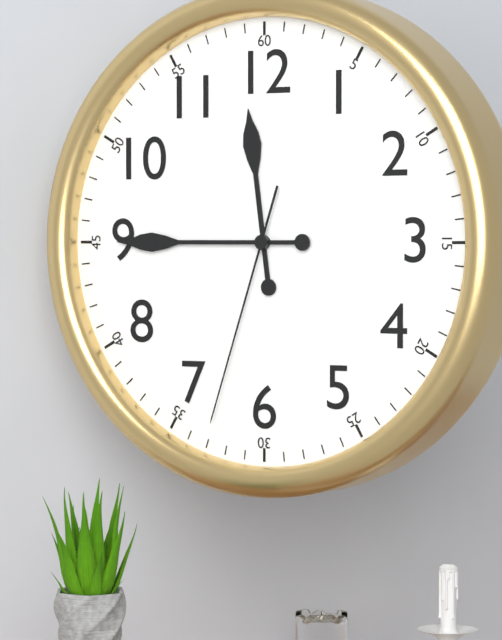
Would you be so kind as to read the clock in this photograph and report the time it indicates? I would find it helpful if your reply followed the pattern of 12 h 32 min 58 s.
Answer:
11 h 45 min 33 s
